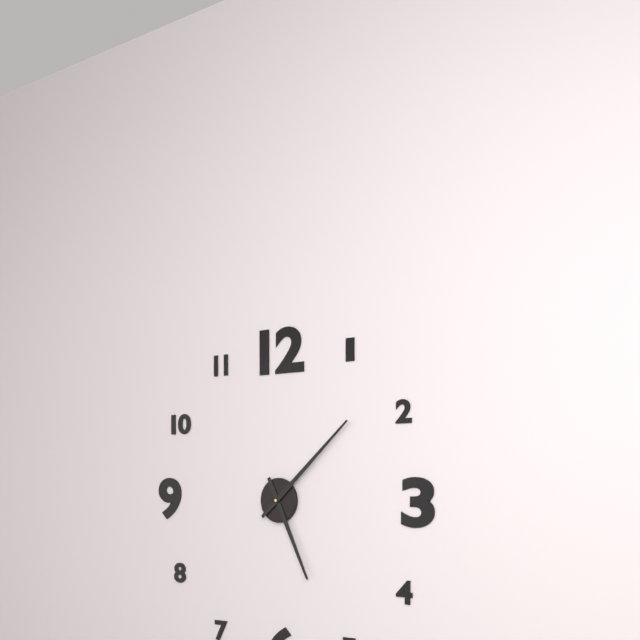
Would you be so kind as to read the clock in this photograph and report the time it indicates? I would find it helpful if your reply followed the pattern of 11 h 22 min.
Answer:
5 h 08 min
